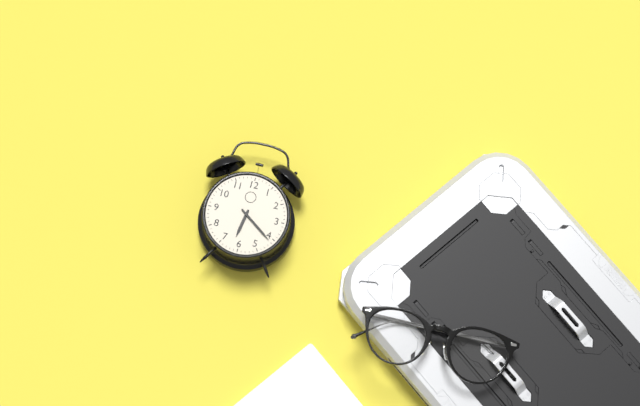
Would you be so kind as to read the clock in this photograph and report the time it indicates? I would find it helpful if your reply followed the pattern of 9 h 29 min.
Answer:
6 h 21 min
